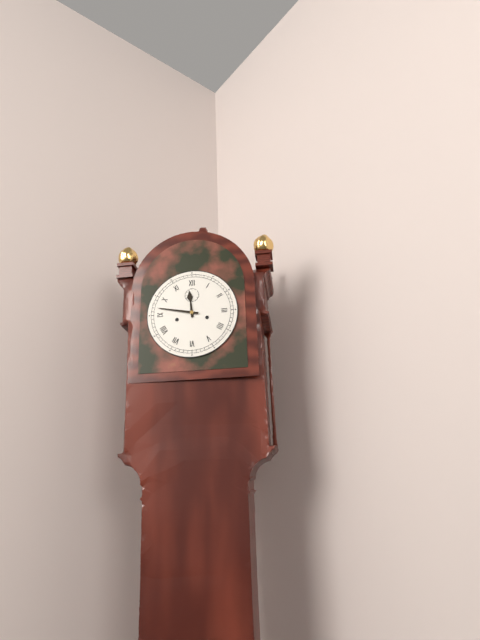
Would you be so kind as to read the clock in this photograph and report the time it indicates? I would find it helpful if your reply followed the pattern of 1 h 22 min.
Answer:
11 h 47 min
